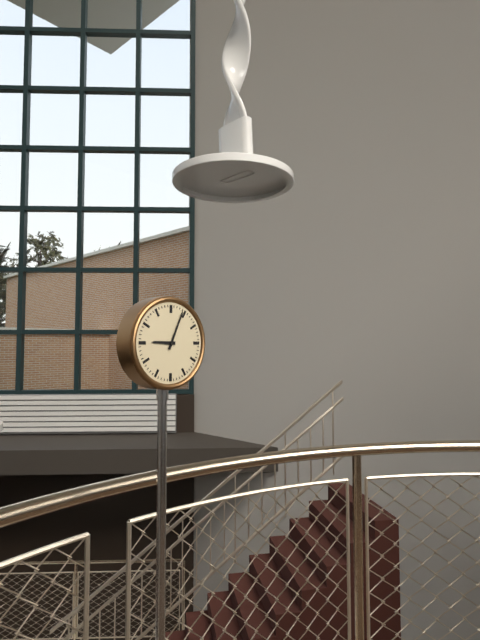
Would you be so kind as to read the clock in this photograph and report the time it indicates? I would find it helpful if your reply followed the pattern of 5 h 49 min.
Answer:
9 h 04 min
